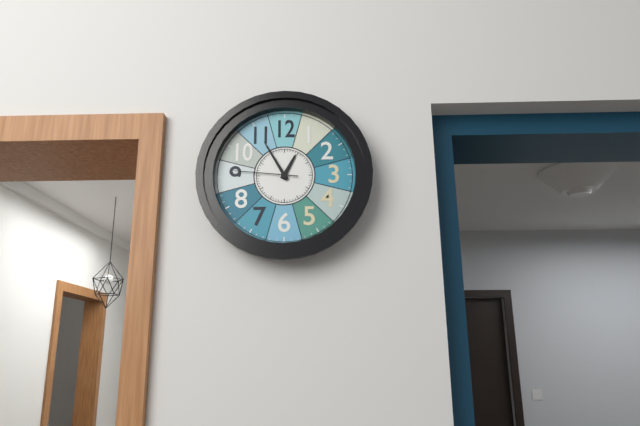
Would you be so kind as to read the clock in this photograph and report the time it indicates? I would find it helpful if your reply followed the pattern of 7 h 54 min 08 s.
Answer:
12 h 55 min 46 s
